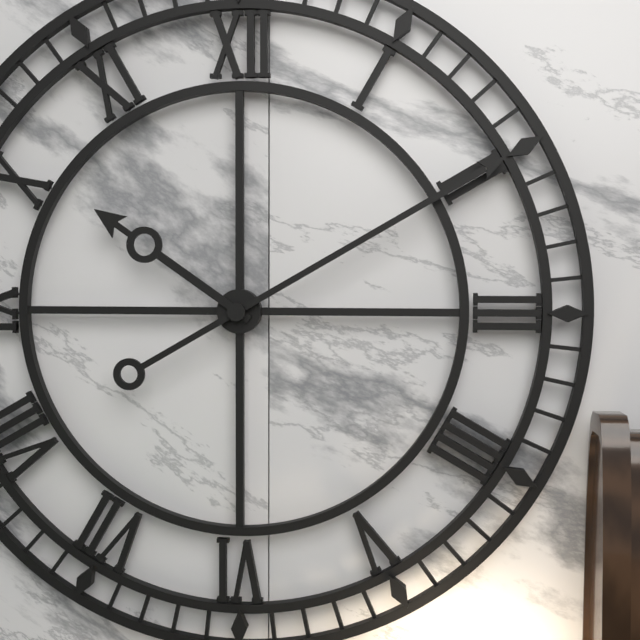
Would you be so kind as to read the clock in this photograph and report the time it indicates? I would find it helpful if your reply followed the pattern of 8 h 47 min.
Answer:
10 h 10 min
